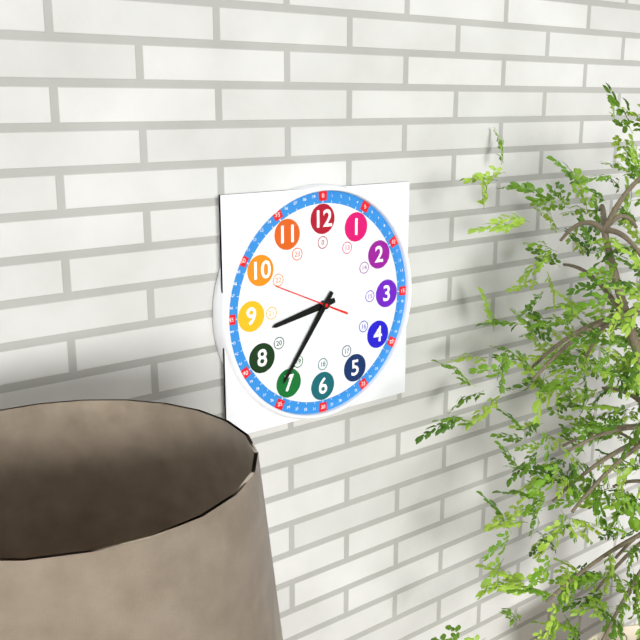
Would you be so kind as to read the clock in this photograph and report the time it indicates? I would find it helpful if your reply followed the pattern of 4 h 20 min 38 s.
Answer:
8 h 36 min 49 s
